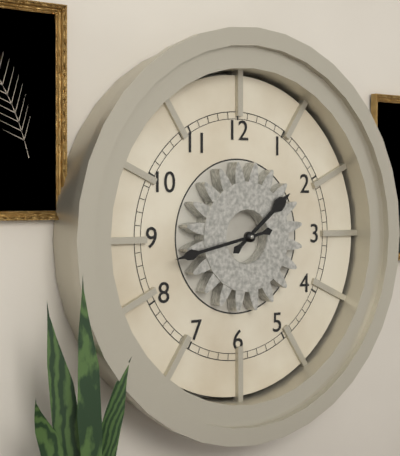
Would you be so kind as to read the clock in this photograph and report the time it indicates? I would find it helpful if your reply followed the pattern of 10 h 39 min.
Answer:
1 h 43 min
